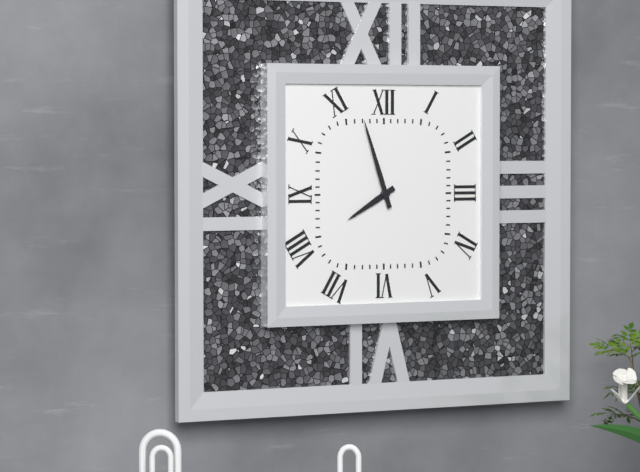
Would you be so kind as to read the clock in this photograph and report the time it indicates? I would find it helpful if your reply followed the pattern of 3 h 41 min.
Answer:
7 h 57 min
